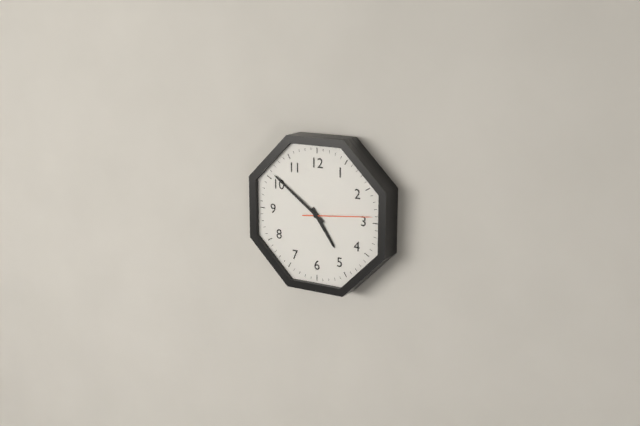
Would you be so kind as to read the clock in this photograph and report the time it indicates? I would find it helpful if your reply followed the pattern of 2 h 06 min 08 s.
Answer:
4 h 51 min 14 s
